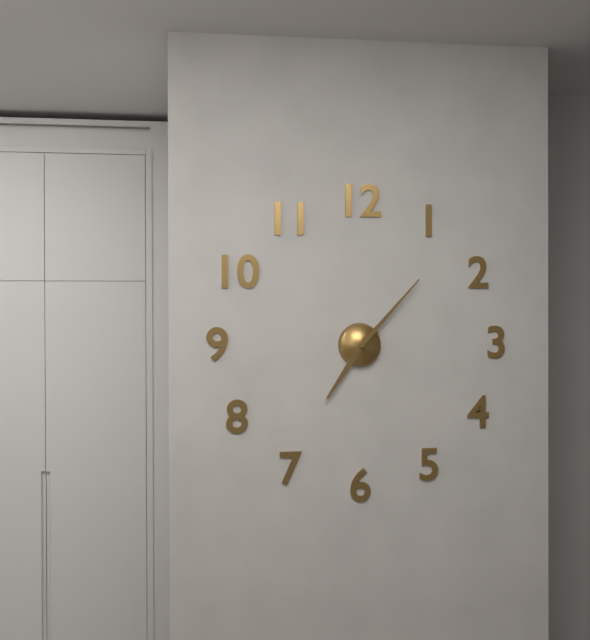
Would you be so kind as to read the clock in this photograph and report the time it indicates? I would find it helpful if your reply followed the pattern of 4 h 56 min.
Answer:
7 h 07 min
